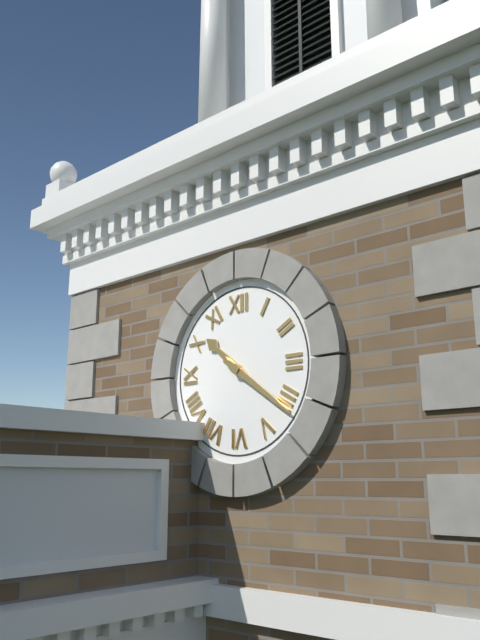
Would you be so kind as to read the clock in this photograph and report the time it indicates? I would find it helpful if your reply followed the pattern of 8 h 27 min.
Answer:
10 h 21 min
